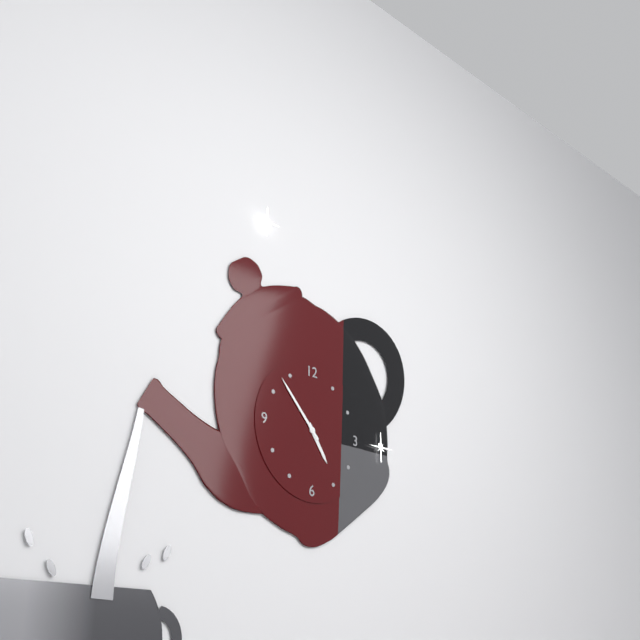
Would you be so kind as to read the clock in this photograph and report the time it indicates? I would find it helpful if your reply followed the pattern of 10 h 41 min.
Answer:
4 h 53 min
